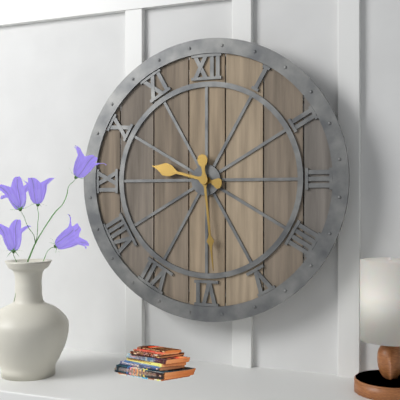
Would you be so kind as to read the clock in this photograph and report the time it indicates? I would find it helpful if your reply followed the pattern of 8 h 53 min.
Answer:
9 h 29 min
